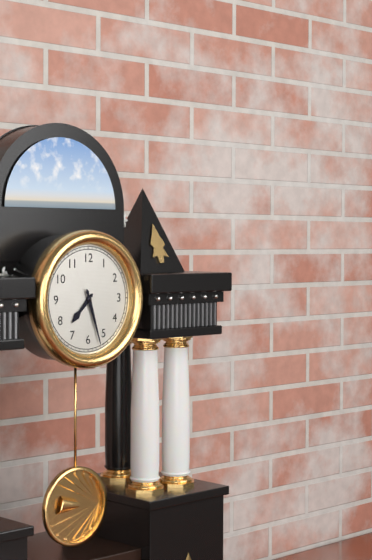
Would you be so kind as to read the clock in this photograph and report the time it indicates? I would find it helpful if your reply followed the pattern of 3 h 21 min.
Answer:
7 h 27 min
